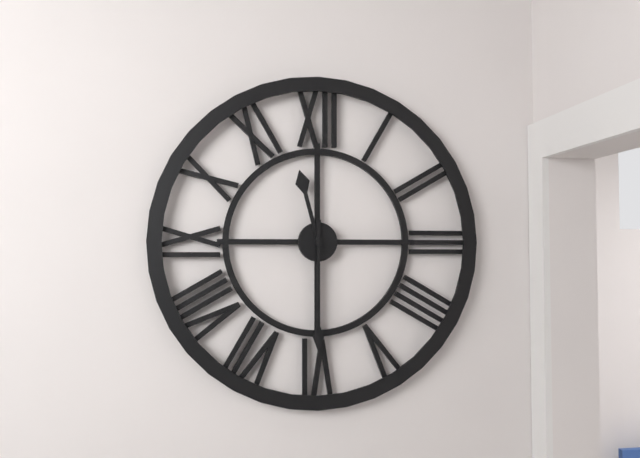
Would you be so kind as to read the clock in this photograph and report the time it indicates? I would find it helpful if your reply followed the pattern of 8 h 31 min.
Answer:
11 h 30 min
